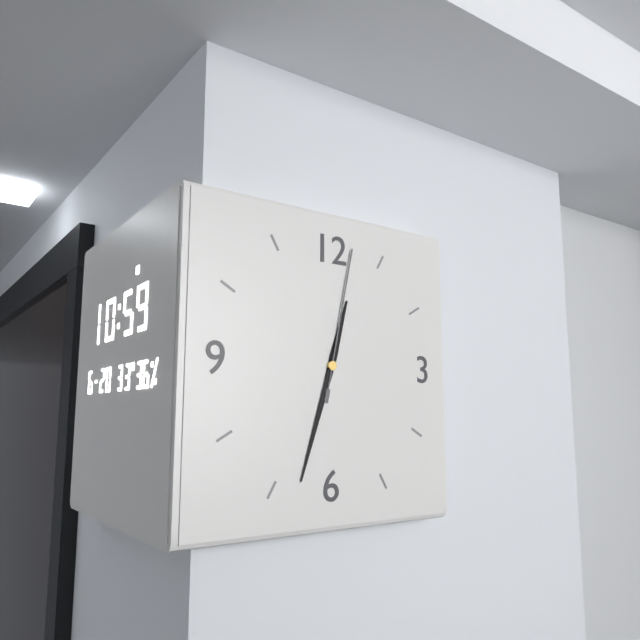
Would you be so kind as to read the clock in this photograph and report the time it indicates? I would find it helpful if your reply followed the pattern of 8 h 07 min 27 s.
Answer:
12 h 33 min 02 s
